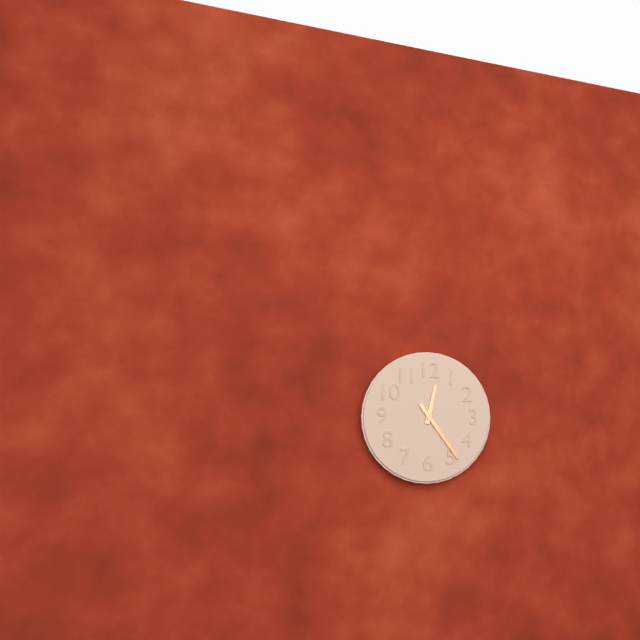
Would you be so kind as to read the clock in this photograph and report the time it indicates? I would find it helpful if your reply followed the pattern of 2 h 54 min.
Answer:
12 h 24 min
